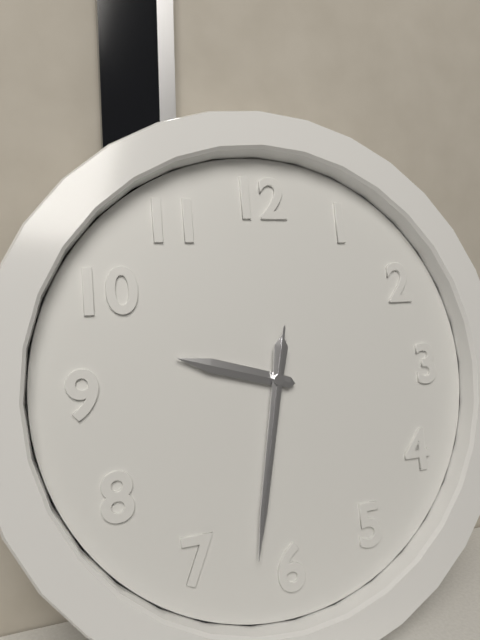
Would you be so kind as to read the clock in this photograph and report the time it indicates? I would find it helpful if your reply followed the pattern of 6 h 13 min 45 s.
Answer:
9 h 32 min 32 s
